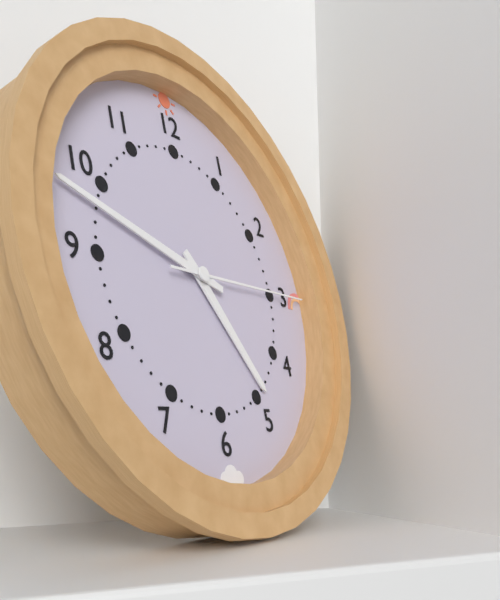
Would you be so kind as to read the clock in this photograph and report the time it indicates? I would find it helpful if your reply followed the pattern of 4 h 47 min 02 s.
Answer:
4 h 48 min 15 s
